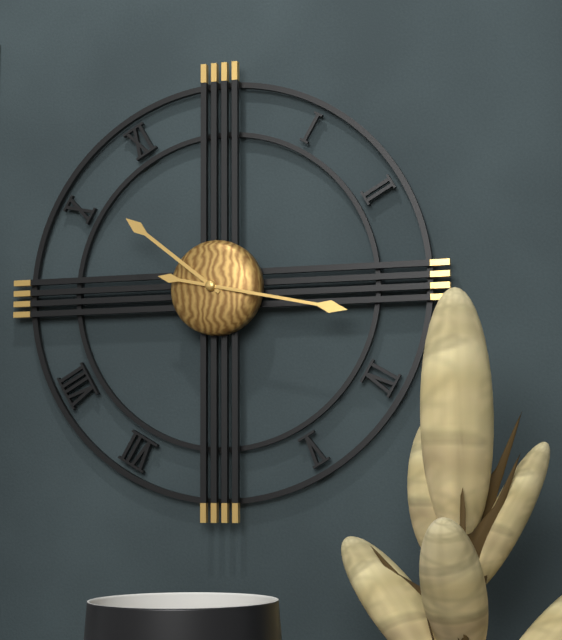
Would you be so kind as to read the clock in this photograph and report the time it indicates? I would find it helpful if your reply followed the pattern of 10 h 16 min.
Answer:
10 h 17 min
